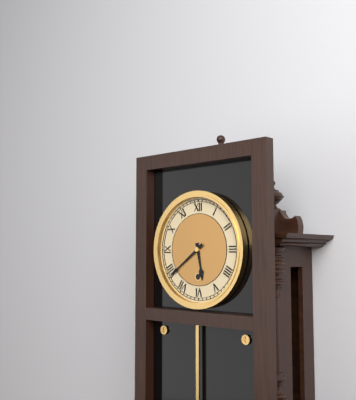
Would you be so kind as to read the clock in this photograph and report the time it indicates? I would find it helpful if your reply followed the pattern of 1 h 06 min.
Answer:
5 h 39 min
